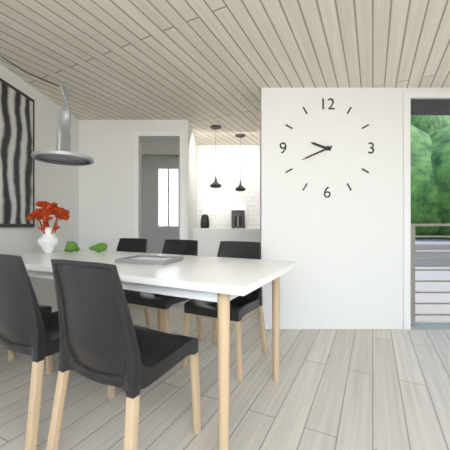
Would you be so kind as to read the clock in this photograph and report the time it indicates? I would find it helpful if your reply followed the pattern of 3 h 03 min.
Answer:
9 h 41 min
